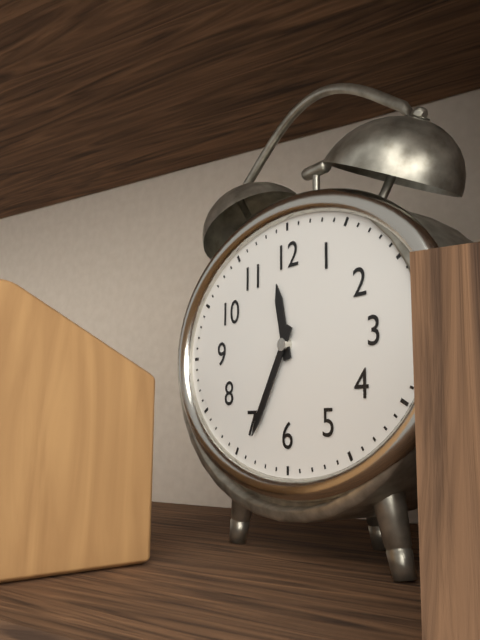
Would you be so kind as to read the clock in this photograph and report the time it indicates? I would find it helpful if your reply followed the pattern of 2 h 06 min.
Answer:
11 h 35 min
